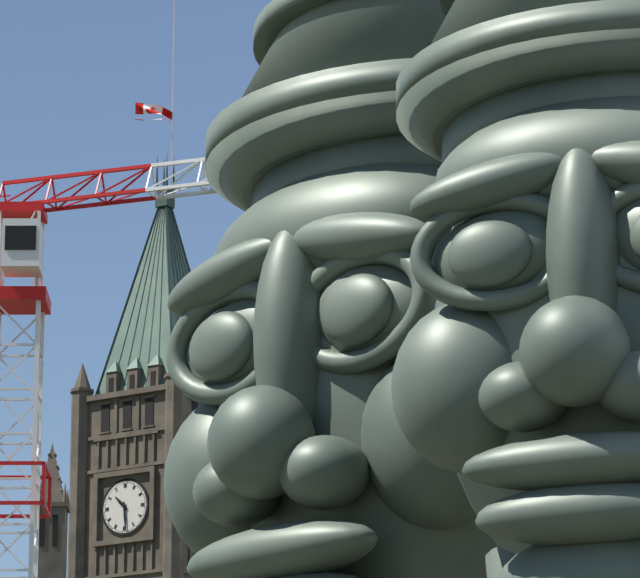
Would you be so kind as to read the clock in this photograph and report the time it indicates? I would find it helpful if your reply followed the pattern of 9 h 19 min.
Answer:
10 h 29 min
